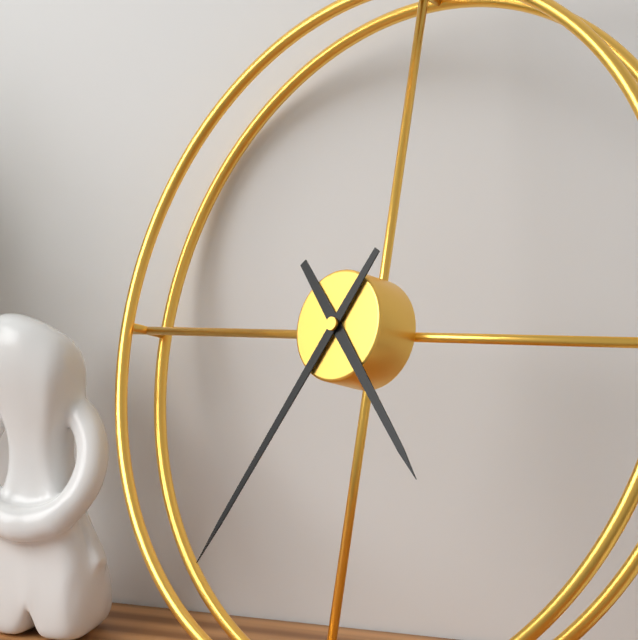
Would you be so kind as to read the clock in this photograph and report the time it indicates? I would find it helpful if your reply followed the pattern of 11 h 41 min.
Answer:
4 h 35 min
